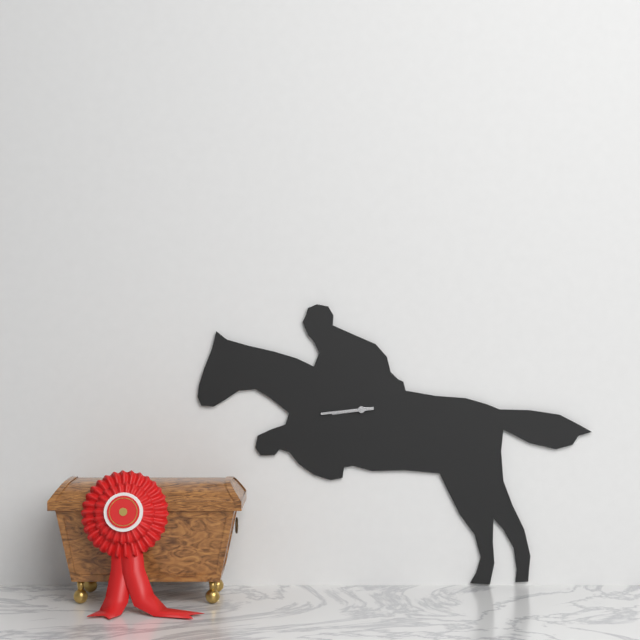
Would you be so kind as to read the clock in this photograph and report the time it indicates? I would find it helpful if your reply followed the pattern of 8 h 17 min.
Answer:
8 h 44 min
